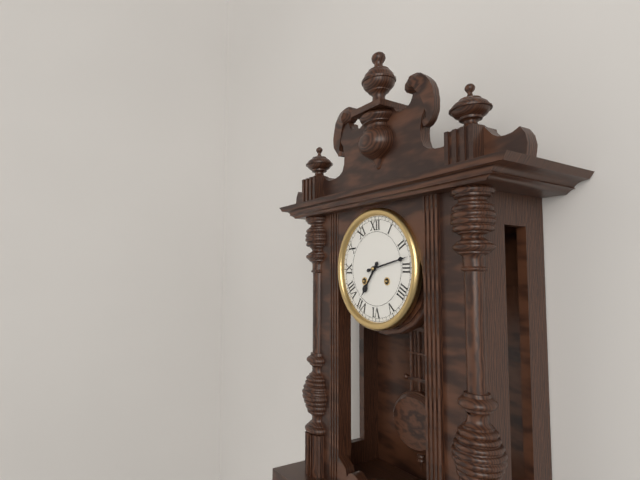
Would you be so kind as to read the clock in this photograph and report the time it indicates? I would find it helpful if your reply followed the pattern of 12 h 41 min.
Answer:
7 h 13 min
